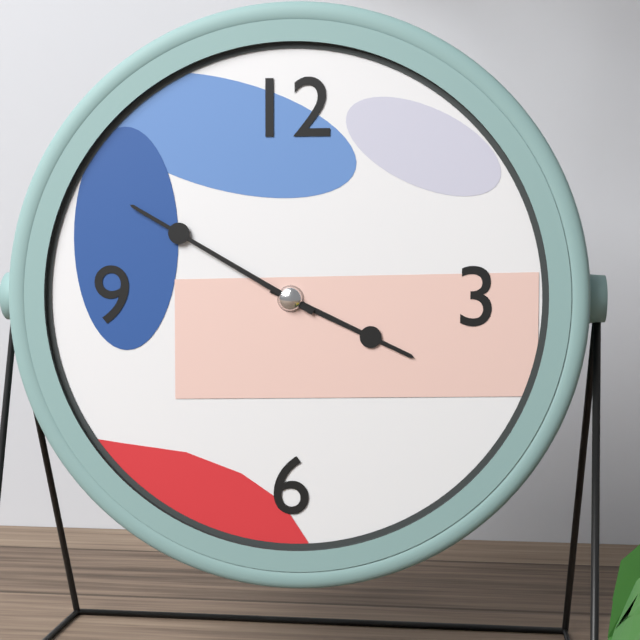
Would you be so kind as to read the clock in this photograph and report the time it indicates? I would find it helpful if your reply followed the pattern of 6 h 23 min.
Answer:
3 h 50 min
